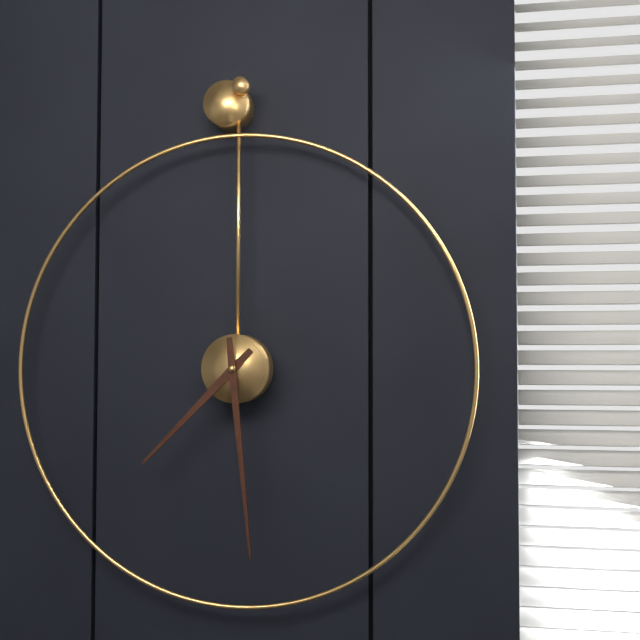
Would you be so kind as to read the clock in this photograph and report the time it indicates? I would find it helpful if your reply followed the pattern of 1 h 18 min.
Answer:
7 h 29 min
